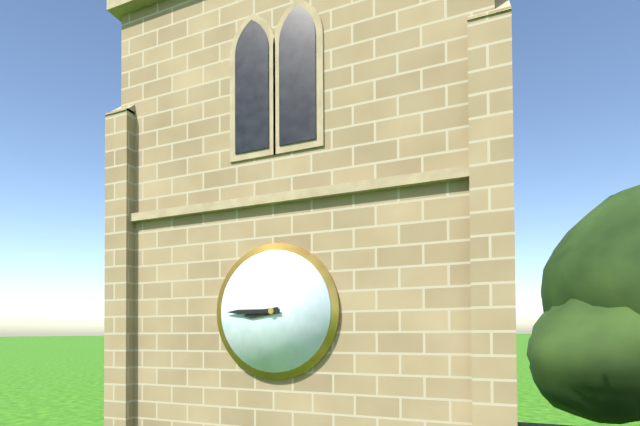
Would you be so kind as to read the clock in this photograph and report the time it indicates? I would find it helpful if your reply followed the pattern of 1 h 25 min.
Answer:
8 h 45 min
